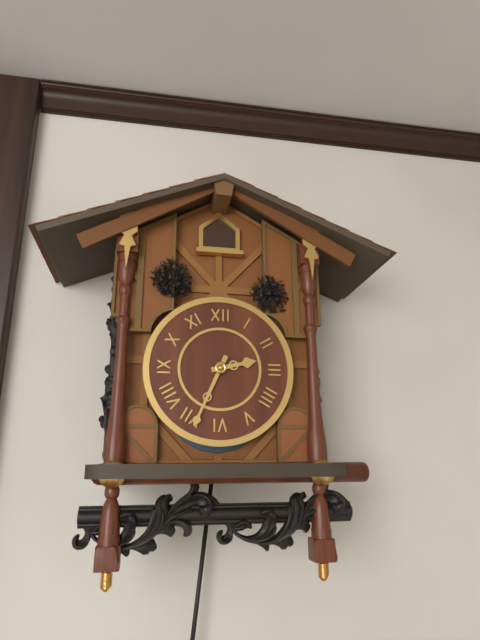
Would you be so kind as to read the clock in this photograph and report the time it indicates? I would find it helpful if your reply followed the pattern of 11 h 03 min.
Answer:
2 h 34 min
